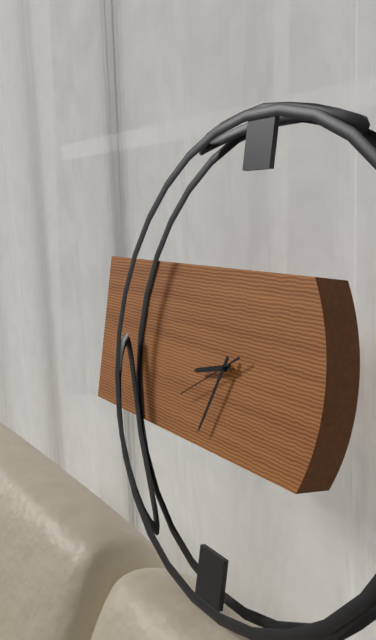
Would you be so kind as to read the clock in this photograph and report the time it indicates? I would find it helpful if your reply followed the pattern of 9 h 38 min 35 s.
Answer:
8 h 34 min 40 s
